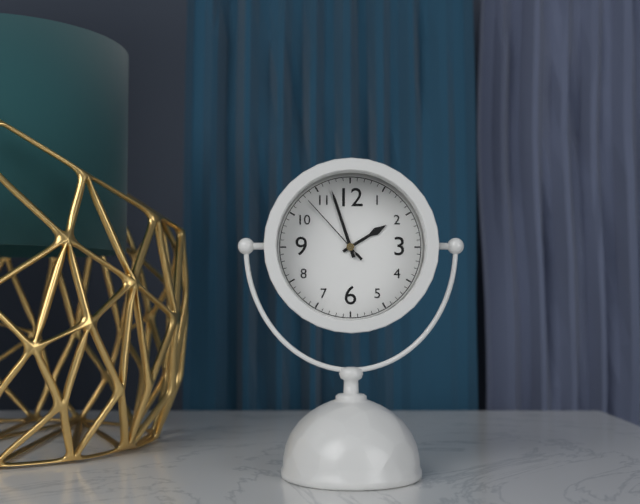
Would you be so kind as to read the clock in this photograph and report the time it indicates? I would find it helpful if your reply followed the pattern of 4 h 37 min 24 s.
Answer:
1 h 57 min 53 s
